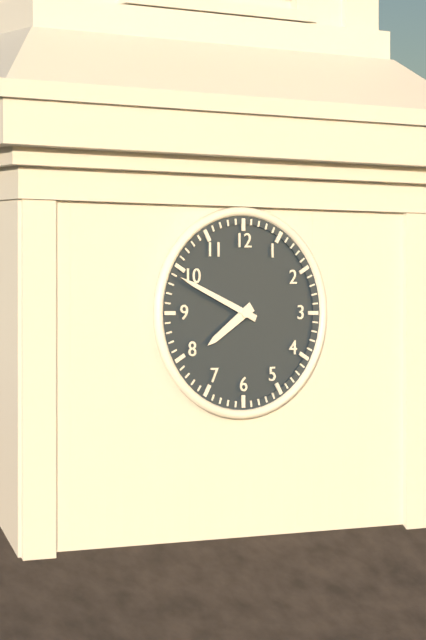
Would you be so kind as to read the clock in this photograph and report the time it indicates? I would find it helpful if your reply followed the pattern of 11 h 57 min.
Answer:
7 h 49 min
